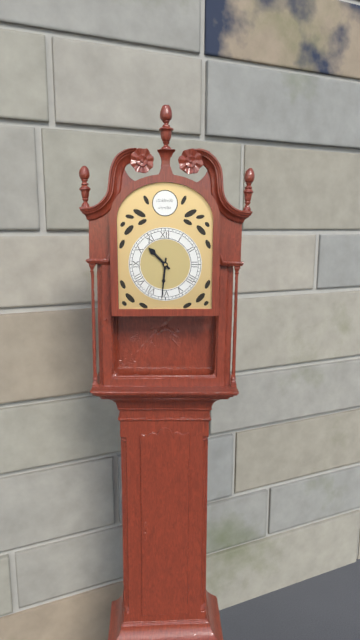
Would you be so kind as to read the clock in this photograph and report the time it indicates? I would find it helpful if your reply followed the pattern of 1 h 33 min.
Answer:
10 h 31 min
